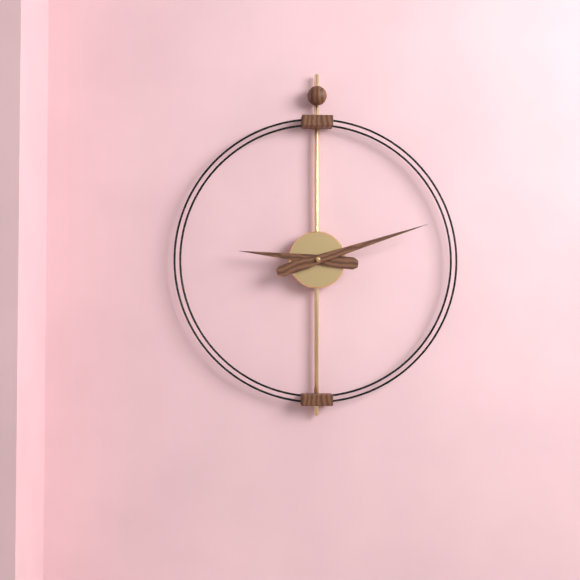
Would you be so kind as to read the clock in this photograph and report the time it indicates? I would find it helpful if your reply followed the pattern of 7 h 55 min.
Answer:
9 h 12 min
